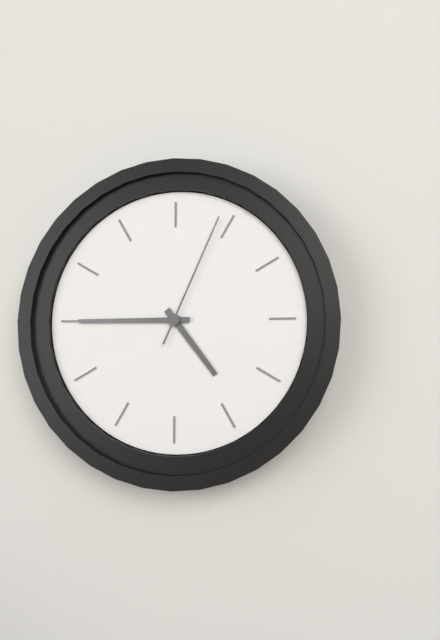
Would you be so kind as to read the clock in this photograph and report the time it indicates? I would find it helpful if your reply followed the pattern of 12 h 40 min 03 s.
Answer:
4 h 45 min 04 s
